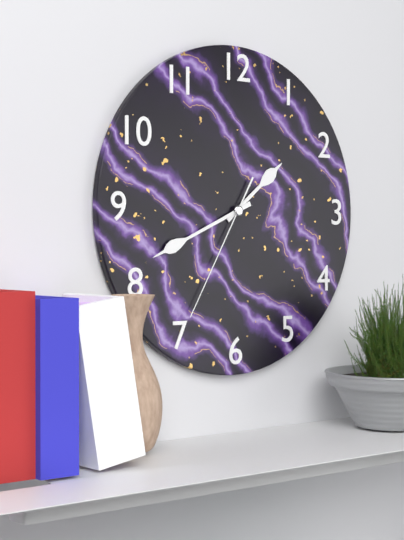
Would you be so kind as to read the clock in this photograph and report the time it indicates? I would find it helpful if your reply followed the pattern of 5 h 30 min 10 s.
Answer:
1 h 41 min 35 s
